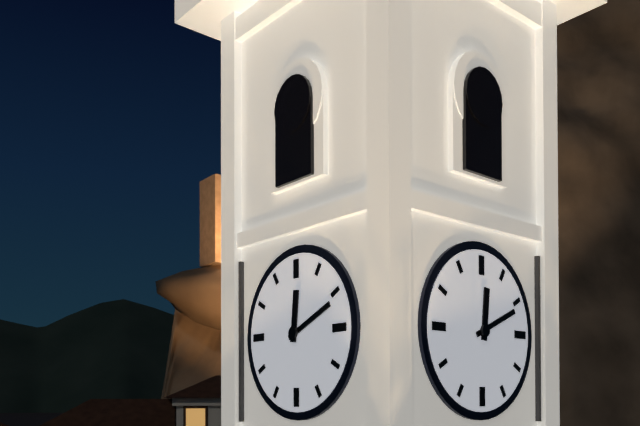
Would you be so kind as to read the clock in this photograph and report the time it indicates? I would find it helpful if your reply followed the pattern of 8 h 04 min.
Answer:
12 h 11 min
